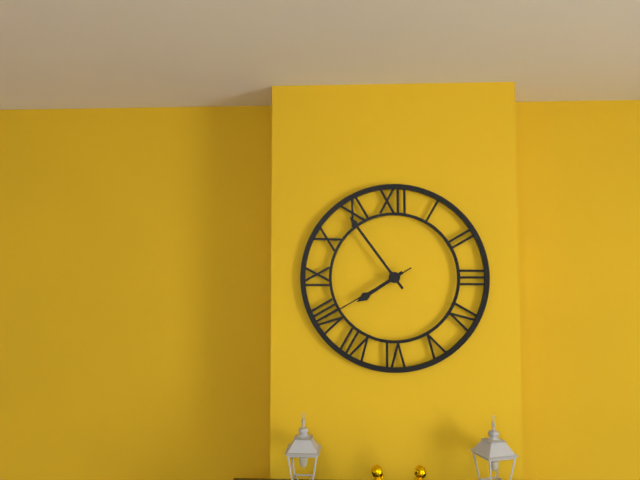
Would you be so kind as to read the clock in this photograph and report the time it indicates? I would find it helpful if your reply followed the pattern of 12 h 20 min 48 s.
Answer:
7 h 54 min 40 s
